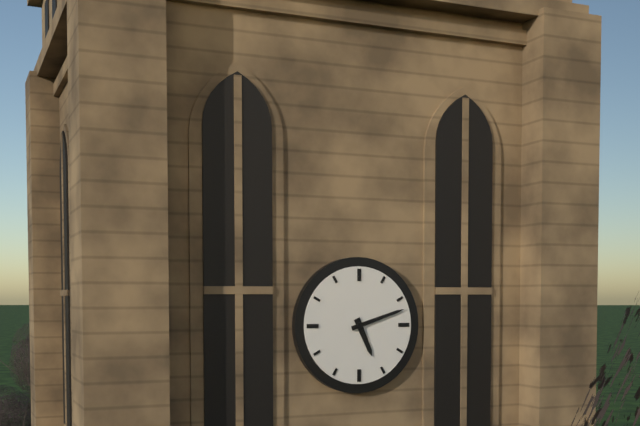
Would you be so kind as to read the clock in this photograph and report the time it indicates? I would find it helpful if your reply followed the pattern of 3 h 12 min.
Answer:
5 h 12 min
